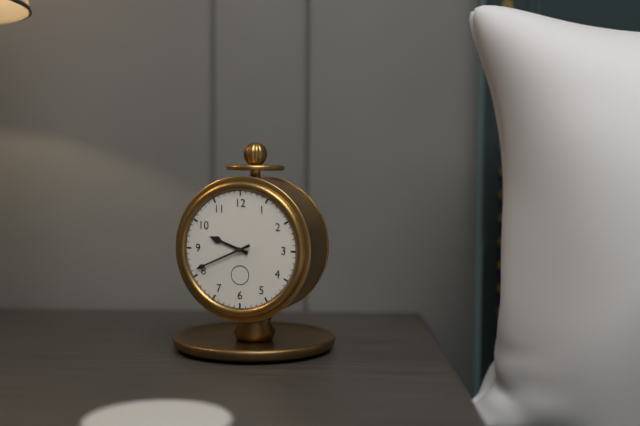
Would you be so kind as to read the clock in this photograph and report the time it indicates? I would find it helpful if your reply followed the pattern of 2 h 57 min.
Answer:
9 h 41 min
